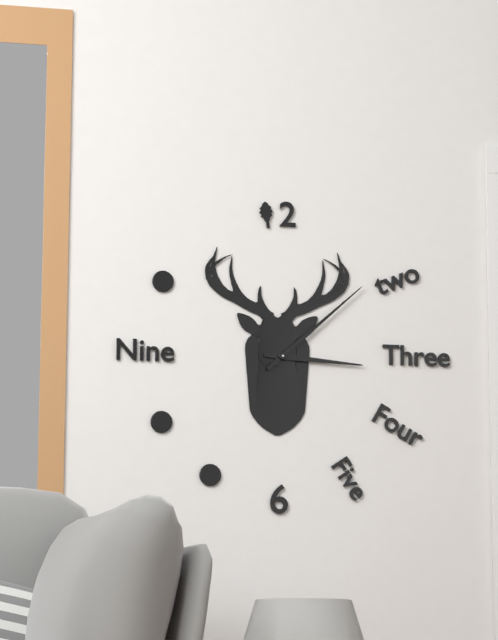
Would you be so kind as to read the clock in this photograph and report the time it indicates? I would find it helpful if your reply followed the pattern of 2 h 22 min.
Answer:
3 h 08 min
